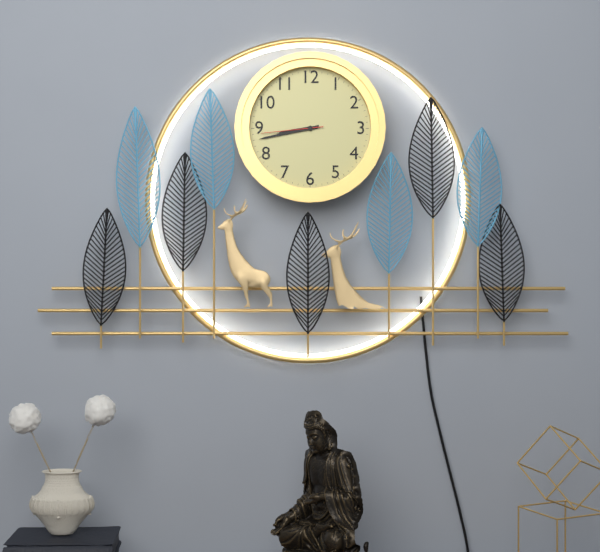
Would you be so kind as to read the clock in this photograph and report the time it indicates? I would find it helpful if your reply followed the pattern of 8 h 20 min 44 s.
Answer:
8 h 43 min 44 s
